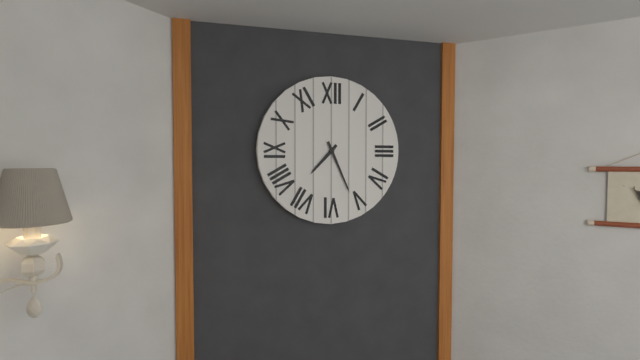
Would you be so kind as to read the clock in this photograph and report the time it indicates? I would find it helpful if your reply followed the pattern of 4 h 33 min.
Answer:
7 h 26 min
